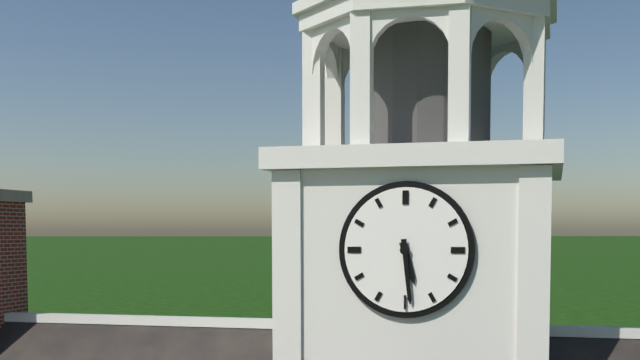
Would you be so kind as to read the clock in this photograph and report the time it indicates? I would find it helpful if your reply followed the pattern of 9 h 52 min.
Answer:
5 h 29 min
